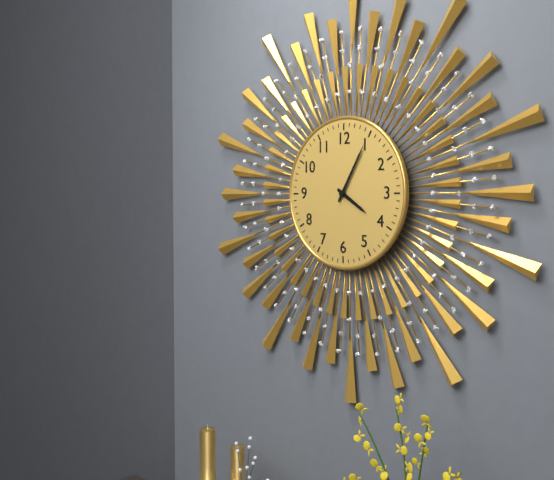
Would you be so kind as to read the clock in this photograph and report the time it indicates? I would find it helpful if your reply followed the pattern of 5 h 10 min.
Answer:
4 h 05 min
